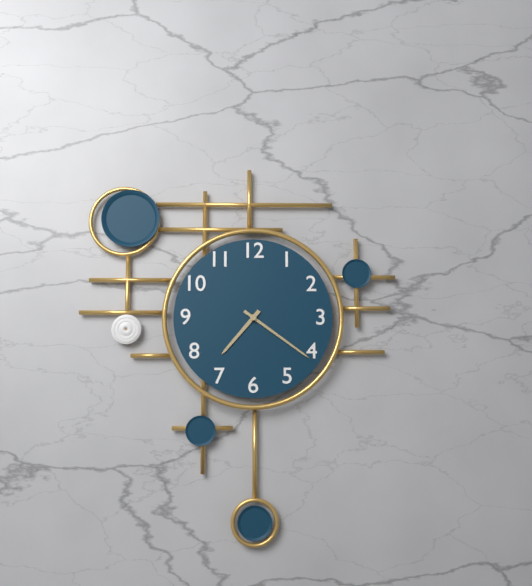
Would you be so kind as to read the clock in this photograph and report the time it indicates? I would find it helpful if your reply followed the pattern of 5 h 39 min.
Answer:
7 h 21 min
